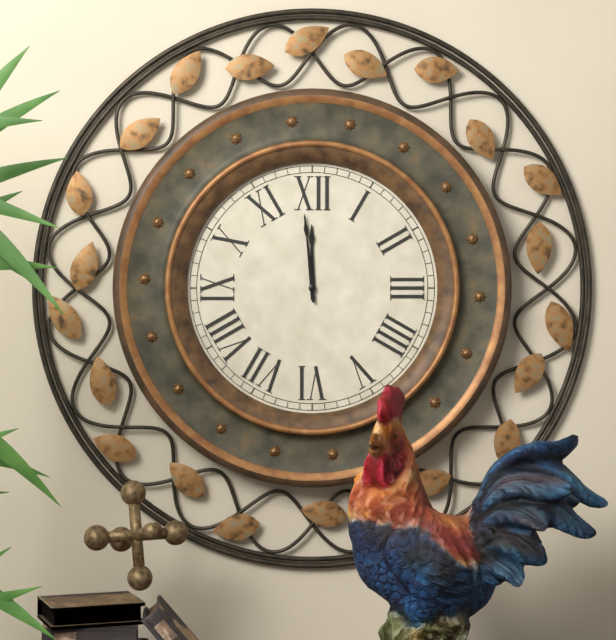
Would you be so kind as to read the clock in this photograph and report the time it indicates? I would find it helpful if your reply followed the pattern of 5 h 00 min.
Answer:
11 h 59 min
